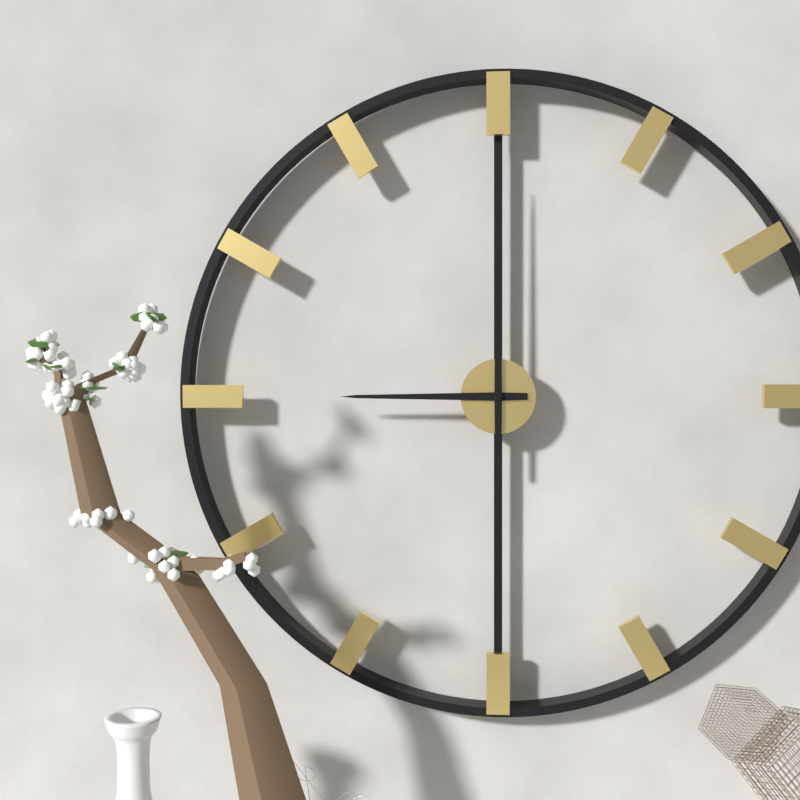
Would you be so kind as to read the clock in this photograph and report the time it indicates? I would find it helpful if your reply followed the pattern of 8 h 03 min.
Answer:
9 h 00 min
